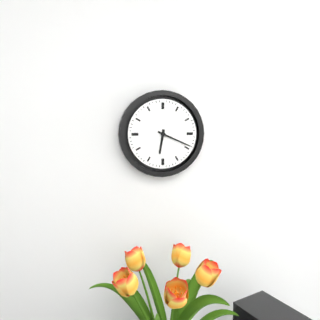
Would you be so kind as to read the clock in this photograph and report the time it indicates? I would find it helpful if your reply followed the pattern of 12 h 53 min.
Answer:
6 h 19 min
